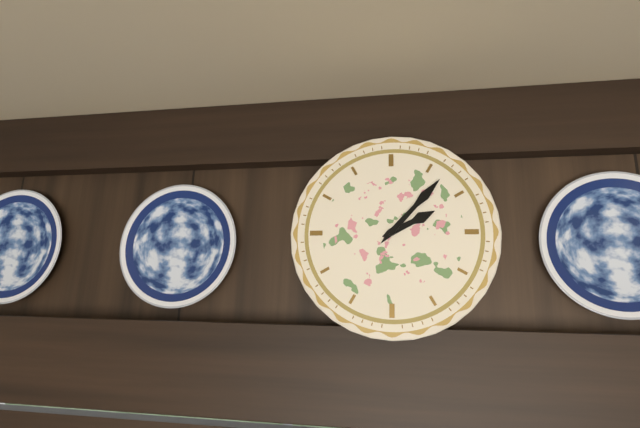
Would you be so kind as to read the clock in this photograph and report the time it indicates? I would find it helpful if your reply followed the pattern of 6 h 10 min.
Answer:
2 h 07 min
